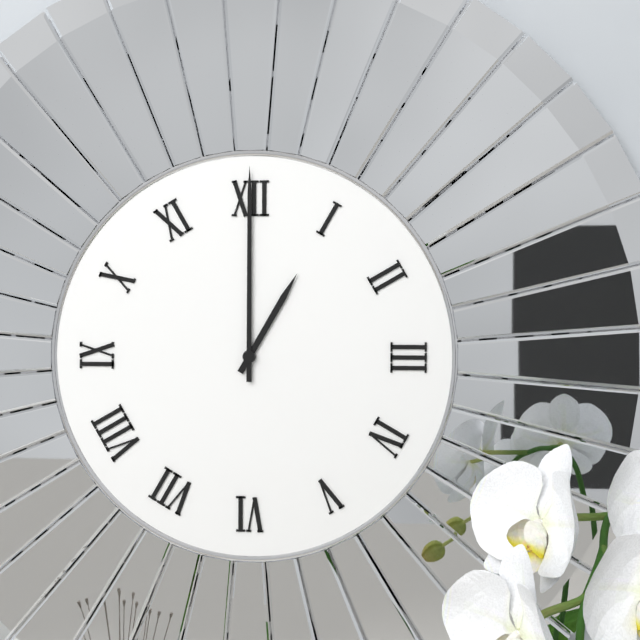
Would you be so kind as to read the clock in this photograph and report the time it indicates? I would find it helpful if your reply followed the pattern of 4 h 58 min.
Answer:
1 h 00 min
